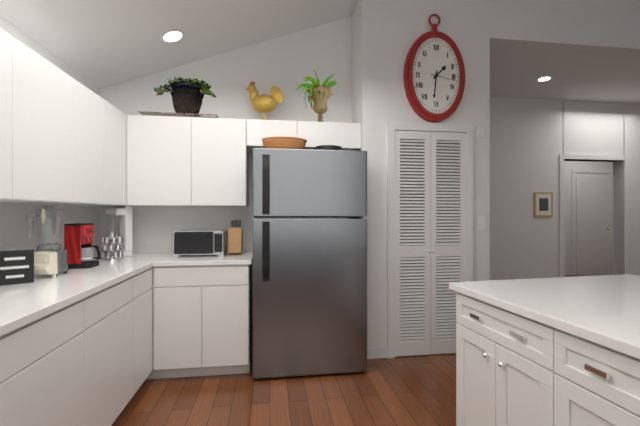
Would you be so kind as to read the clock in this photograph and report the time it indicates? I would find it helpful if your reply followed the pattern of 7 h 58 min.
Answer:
1 h 31 min
